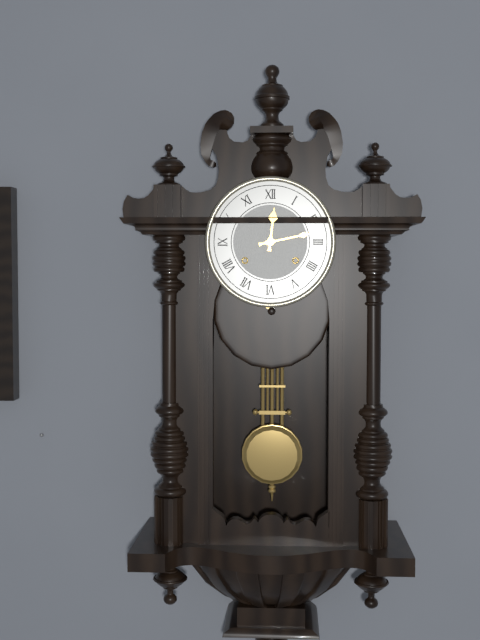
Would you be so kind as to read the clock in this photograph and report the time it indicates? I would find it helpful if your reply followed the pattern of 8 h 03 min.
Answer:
12 h 13 min
